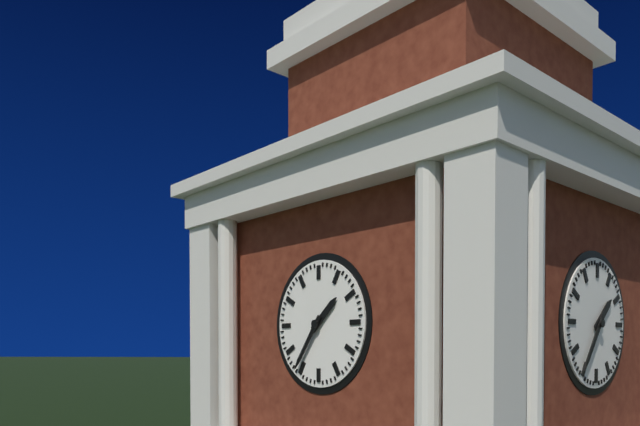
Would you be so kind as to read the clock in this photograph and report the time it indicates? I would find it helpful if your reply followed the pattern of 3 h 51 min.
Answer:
1 h 36 min
